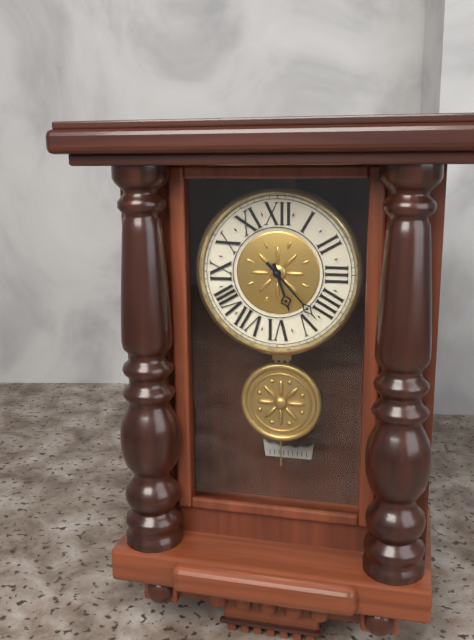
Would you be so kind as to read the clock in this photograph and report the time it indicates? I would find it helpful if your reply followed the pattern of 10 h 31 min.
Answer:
5 h 23 min
